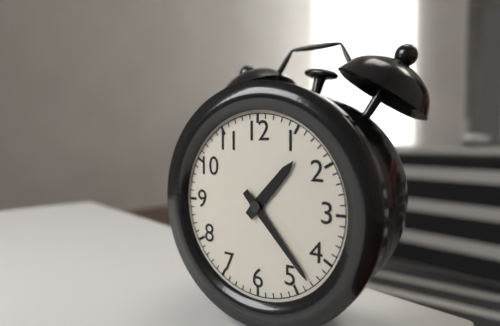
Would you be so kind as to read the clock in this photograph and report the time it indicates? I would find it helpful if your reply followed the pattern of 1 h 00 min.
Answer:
1 h 23 min
